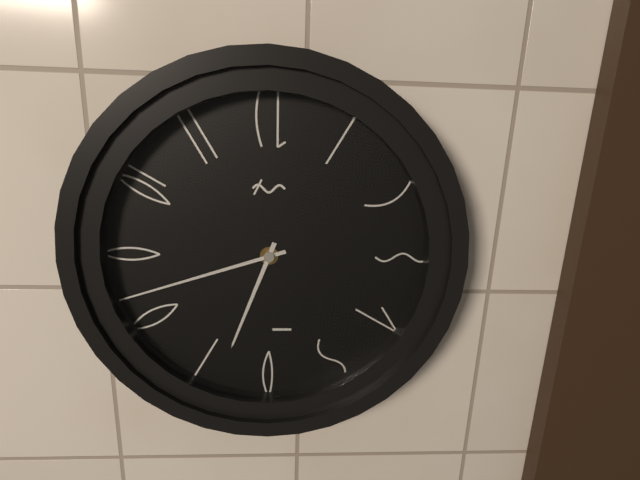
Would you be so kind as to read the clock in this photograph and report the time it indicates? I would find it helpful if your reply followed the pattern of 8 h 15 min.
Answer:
6 h 42 min
